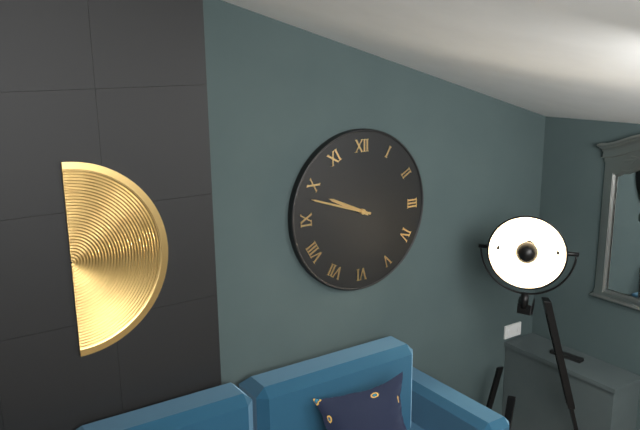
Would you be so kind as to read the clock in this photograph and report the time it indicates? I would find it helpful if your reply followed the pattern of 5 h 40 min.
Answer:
9 h 48 min
